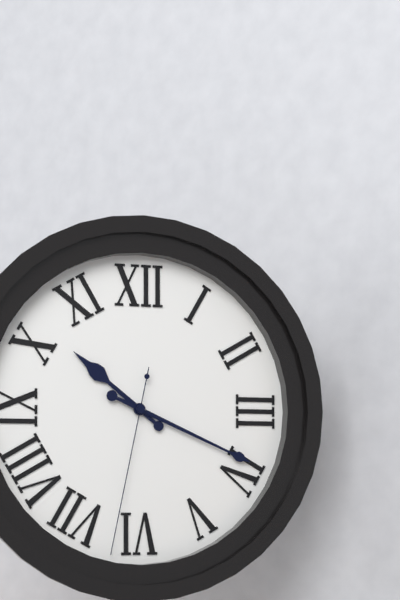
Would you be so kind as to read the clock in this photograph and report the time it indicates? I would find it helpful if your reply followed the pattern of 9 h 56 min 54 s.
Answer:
10 h 19 min 32 s
